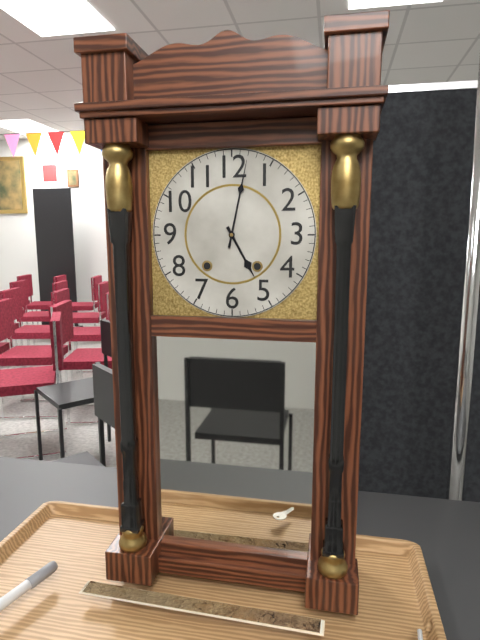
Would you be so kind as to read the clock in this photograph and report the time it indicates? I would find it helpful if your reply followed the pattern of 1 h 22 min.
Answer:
5 h 02 min
